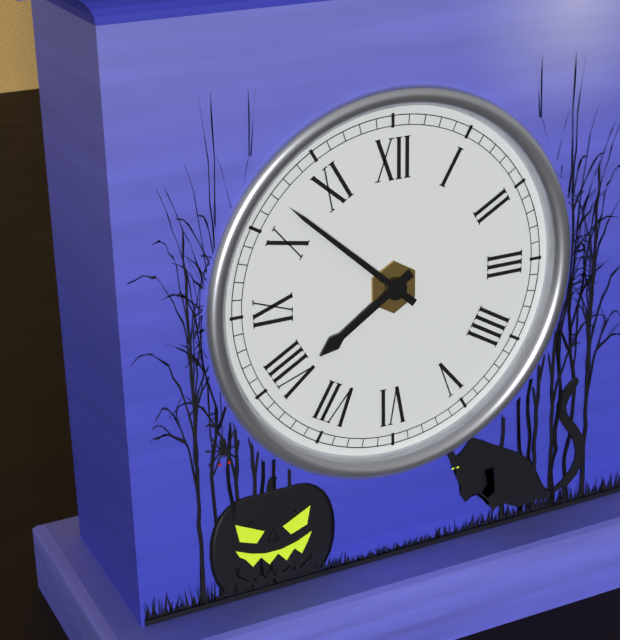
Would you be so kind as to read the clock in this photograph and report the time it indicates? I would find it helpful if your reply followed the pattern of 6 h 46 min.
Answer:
7 h 52 min
